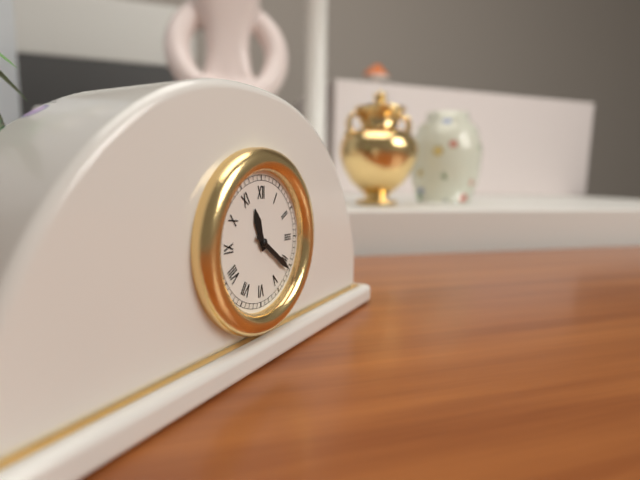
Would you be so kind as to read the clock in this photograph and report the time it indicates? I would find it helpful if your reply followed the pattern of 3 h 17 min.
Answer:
11 h 21 min
